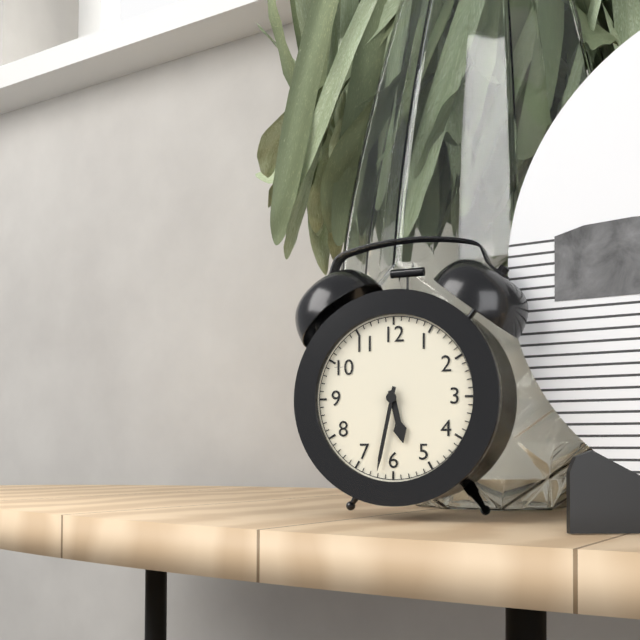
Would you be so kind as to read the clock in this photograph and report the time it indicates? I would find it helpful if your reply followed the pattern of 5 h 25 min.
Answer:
5 h 32 min
